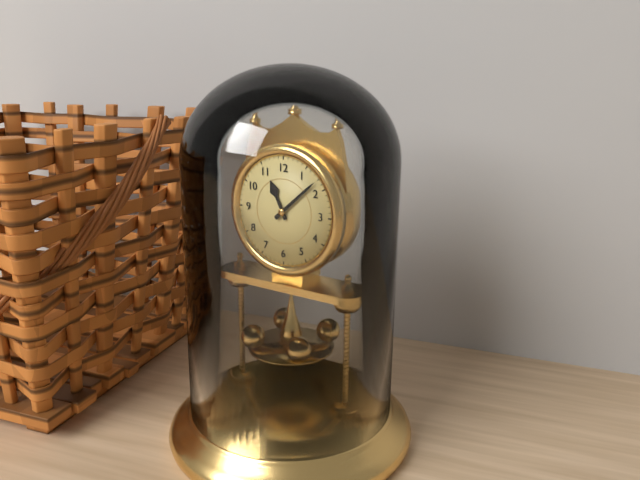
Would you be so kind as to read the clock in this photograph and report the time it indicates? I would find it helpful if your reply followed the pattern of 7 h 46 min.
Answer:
11 h 08 min
